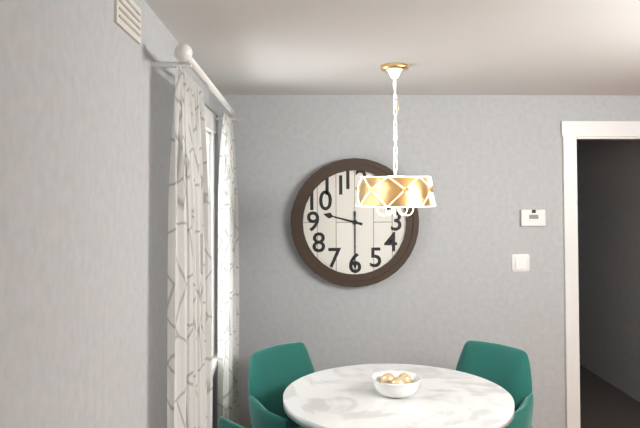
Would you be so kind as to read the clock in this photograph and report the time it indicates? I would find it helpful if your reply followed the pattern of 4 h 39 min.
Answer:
9 h 30 min
